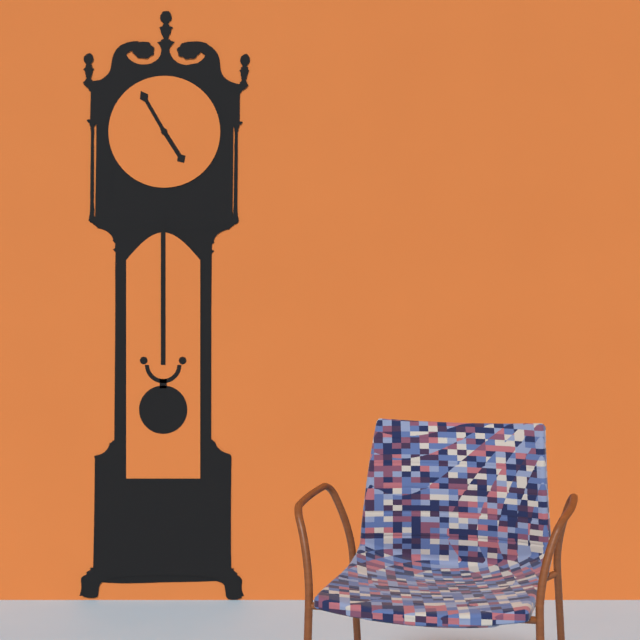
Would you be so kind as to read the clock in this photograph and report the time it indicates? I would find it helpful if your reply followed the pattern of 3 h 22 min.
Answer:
4 h 55 min
